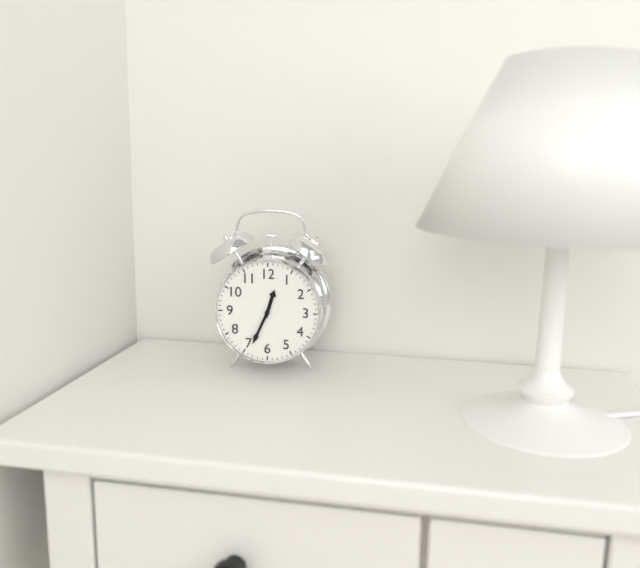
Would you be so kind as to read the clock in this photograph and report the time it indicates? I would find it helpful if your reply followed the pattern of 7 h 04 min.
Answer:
12 h 34 min
